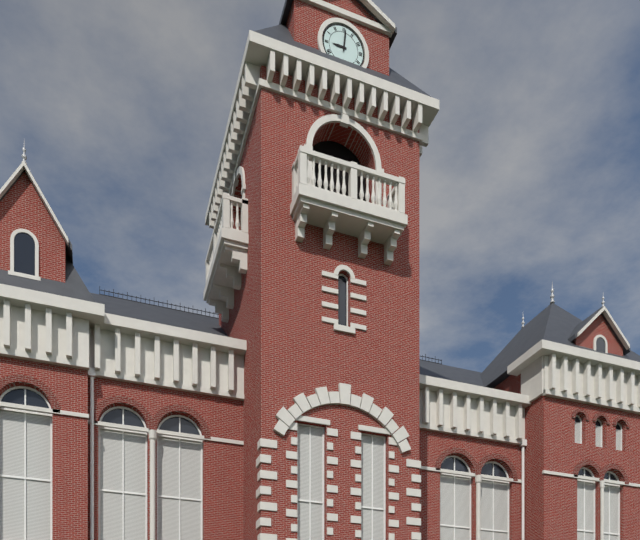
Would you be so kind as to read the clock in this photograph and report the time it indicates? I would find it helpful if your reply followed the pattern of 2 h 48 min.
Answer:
9 h 01 min
